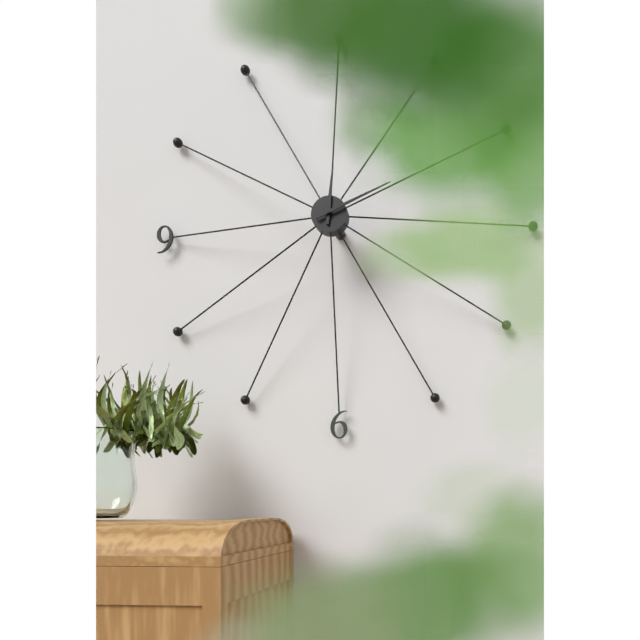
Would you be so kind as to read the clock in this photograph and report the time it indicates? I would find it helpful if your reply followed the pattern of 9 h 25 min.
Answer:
12 h 11 min
